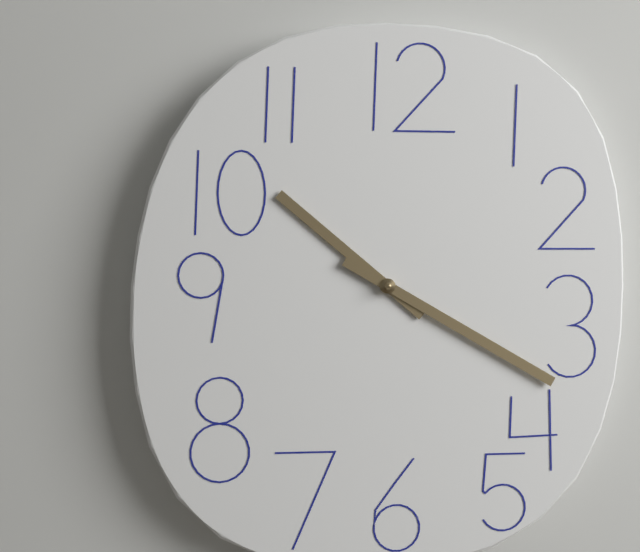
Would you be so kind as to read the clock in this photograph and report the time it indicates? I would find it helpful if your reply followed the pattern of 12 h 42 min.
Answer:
10 h 20 min
